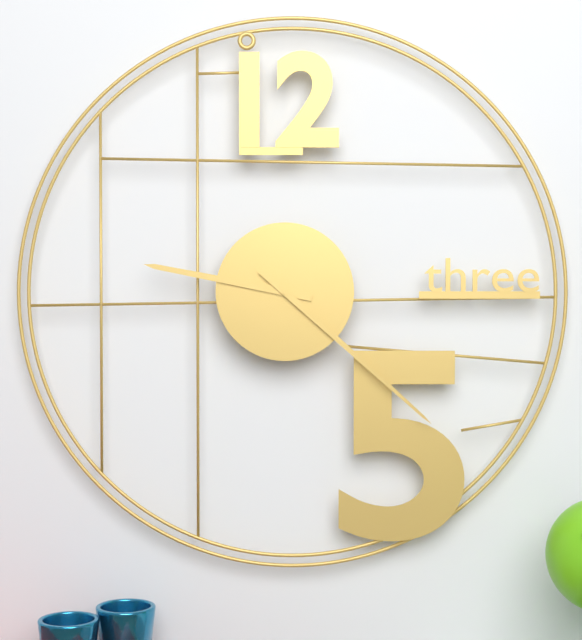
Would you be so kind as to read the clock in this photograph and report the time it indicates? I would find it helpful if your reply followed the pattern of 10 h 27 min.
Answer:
9 h 22 min
